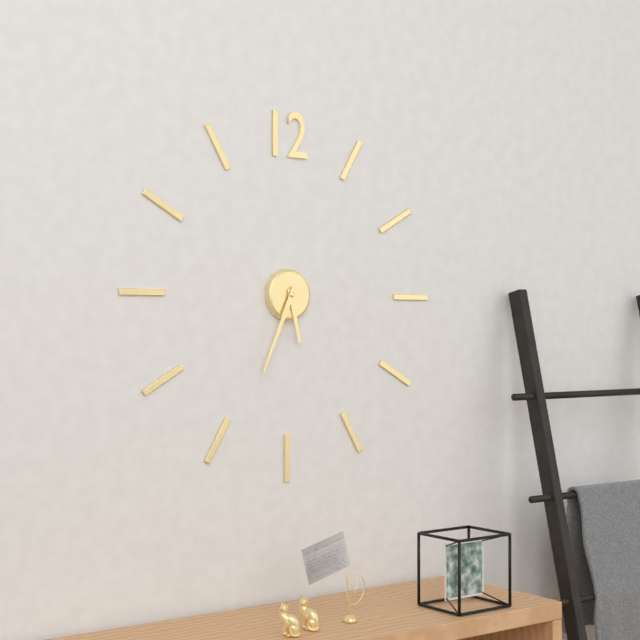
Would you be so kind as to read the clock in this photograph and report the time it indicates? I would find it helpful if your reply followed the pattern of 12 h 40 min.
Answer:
5 h 34 min
